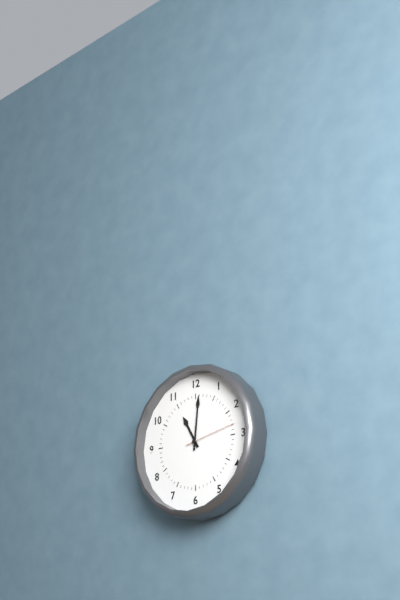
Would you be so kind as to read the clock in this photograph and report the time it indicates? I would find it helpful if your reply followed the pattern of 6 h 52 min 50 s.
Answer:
11 h 01 min 13 s
